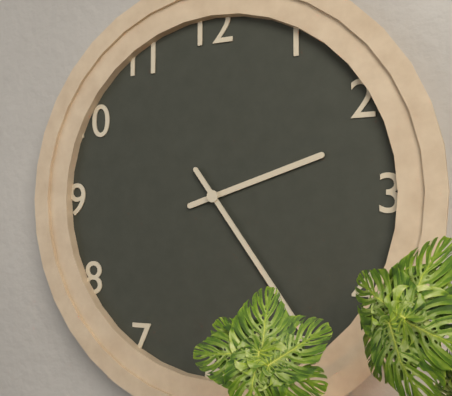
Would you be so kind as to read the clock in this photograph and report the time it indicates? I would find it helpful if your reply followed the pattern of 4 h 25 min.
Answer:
2 h 24 min
